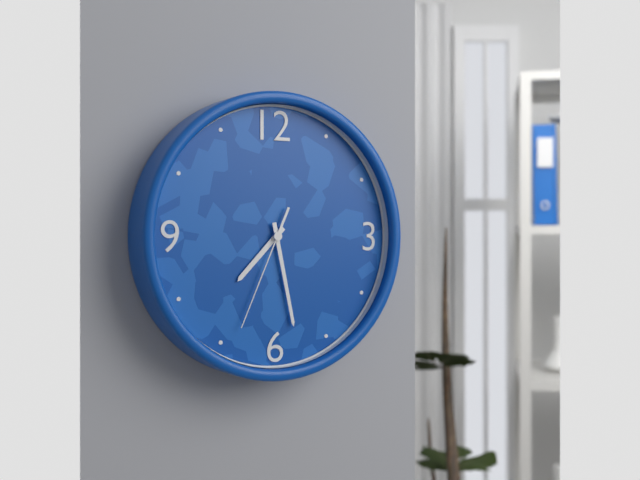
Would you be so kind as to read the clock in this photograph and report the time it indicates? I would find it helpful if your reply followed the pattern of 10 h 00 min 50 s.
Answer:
7 h 28 min 34 s
